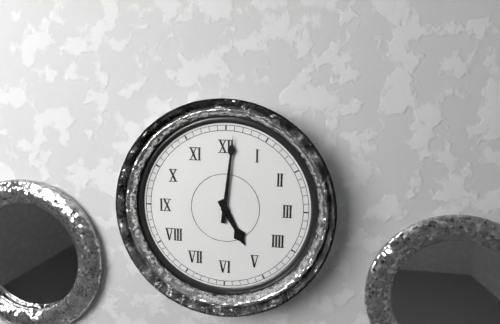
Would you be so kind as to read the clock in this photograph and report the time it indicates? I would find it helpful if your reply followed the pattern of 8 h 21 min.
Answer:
5 h 01 min
